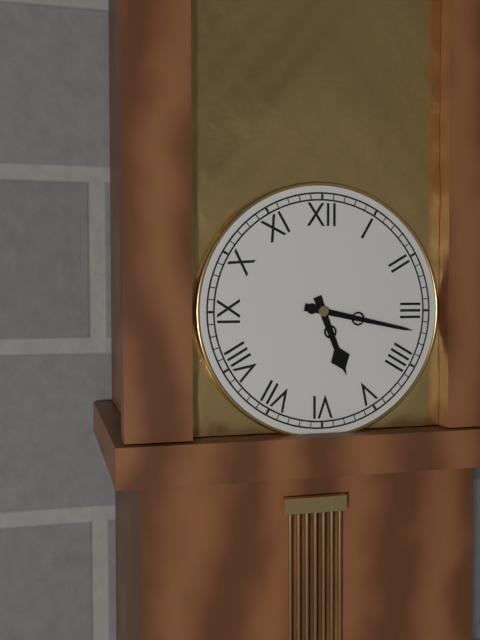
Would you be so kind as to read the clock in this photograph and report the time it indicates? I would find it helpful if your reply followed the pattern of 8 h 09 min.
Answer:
5 h 17 min
